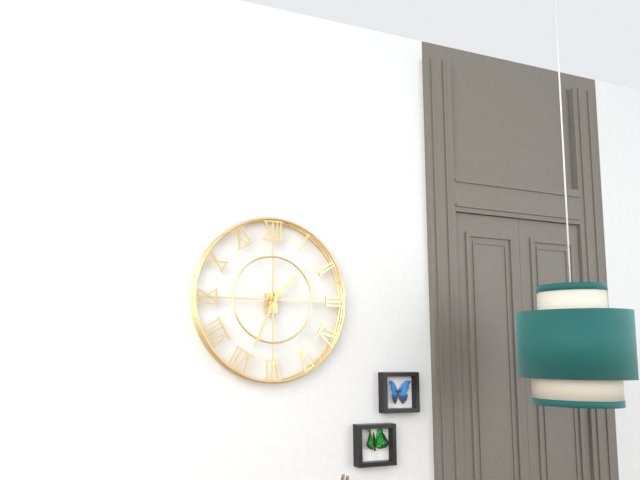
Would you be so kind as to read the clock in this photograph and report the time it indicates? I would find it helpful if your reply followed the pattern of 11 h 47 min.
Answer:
1 h 34 min
